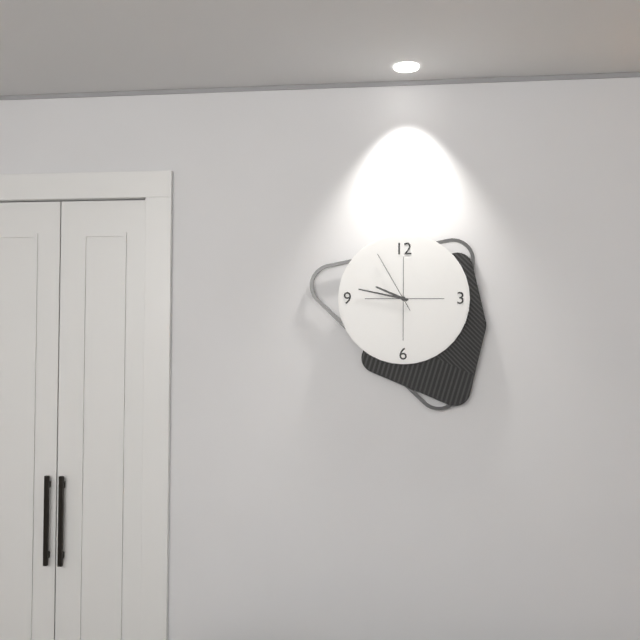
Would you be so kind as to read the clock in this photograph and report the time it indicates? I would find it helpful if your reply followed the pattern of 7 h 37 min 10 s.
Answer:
9 h 47 min 55 s
